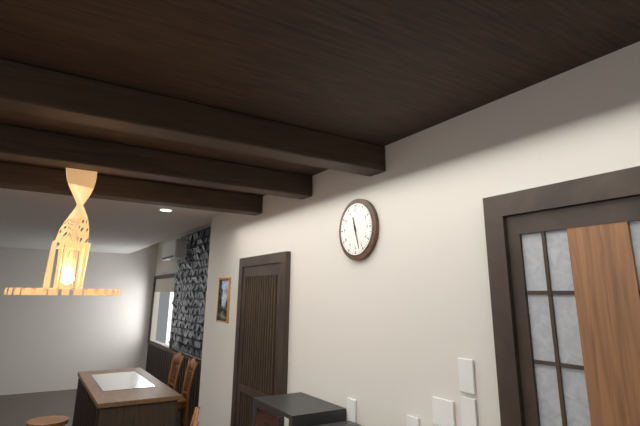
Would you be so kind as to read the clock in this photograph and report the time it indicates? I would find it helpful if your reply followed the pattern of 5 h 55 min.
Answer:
11 h 27 min
